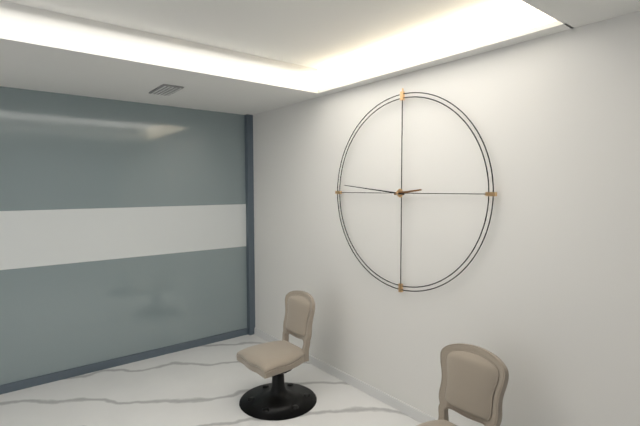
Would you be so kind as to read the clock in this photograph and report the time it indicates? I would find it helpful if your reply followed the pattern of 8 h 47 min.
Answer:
2 h 46 min
